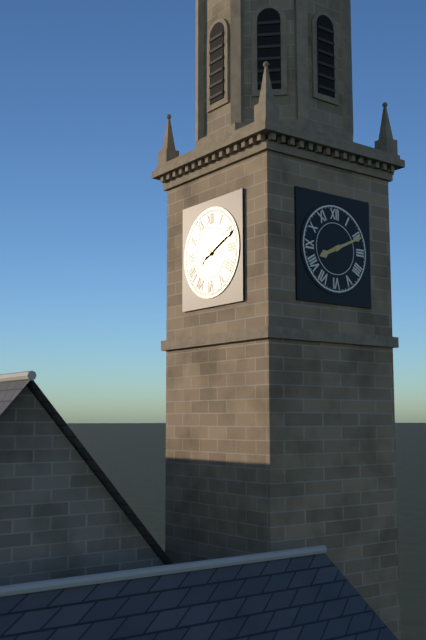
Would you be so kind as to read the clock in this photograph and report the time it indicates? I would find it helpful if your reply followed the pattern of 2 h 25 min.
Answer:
8 h 11 min
